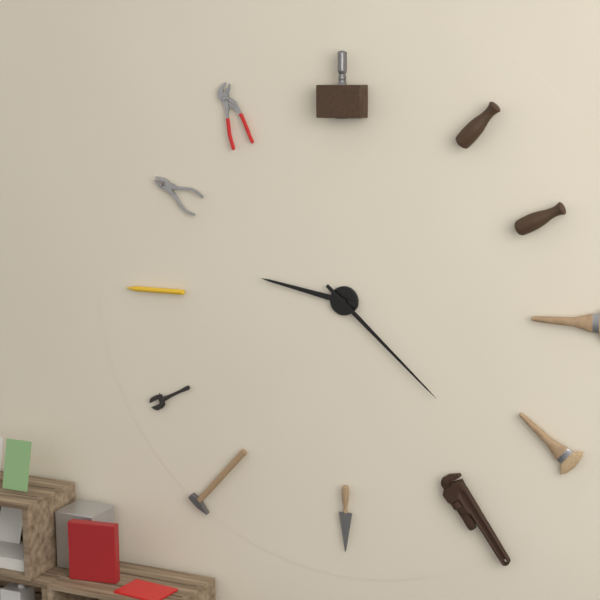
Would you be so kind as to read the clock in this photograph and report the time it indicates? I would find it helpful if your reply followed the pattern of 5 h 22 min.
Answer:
9 h 22 min
